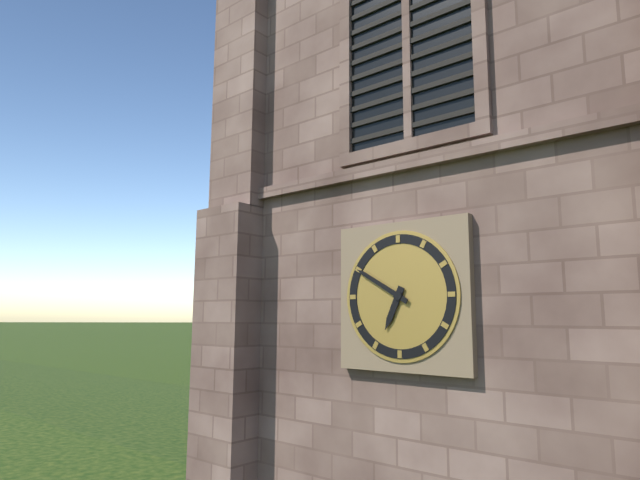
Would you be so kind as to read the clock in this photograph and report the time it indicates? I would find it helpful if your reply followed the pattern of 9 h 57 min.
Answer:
6 h 50 min
